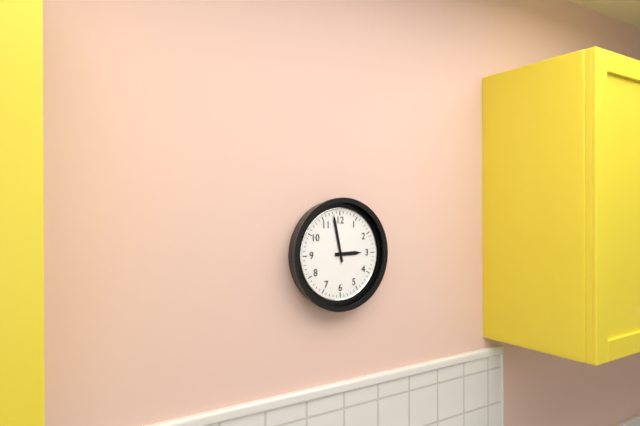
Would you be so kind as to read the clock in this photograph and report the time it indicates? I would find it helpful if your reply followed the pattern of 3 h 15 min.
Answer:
2 h 58 min
